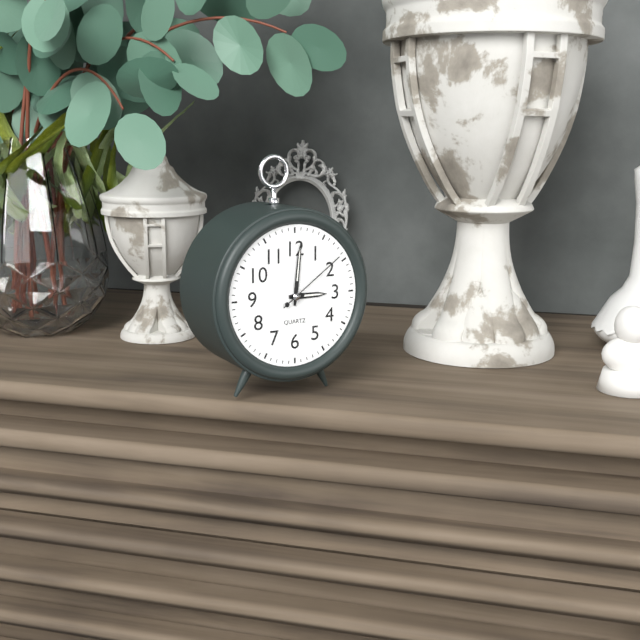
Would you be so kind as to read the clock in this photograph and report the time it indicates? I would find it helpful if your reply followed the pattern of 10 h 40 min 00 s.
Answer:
3 h 01 min 09 s
